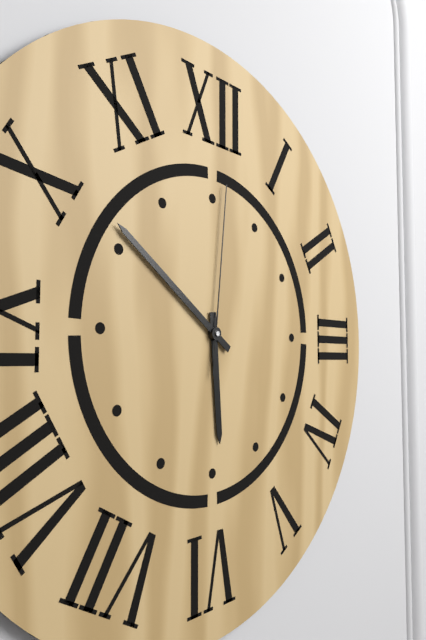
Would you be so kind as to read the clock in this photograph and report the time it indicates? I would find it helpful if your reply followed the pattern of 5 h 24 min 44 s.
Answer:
5 h 51 min 01 s
